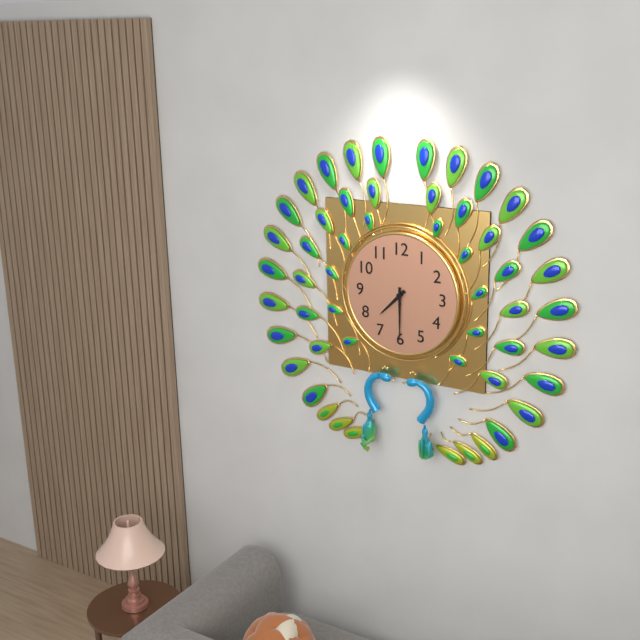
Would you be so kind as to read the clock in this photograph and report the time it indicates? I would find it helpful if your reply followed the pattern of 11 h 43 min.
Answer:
7 h 30 min
